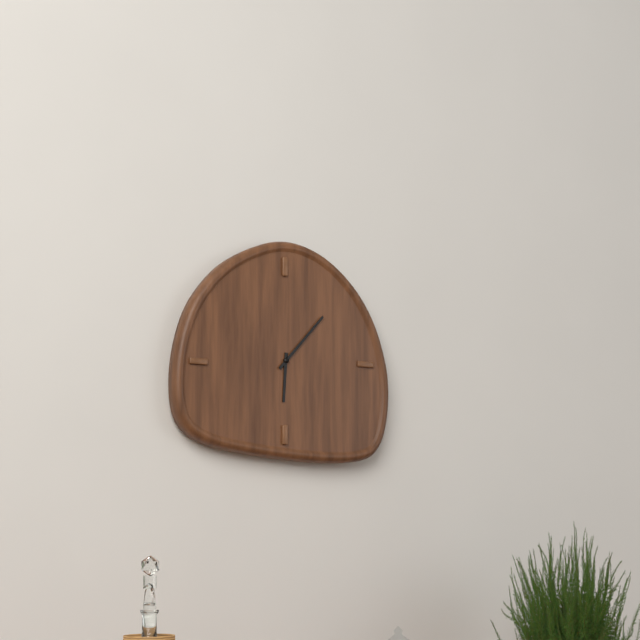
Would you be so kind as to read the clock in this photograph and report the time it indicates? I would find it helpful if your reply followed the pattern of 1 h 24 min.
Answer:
6 h 07 min
